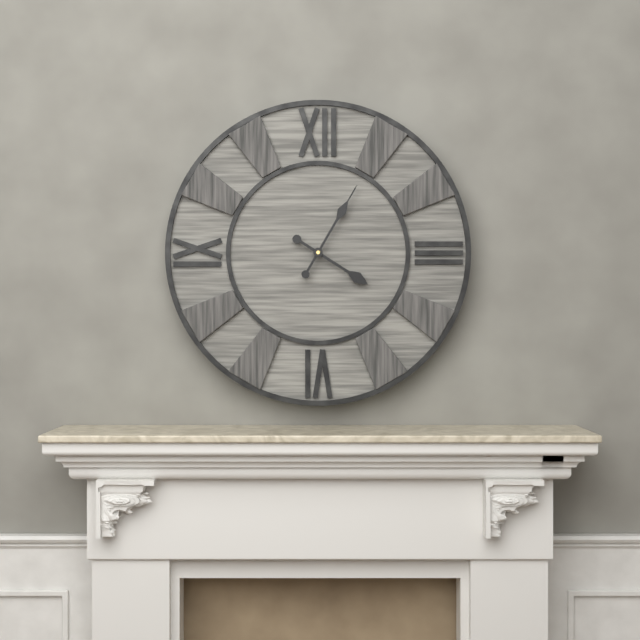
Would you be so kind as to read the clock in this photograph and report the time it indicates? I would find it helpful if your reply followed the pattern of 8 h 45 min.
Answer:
4 h 05 min
